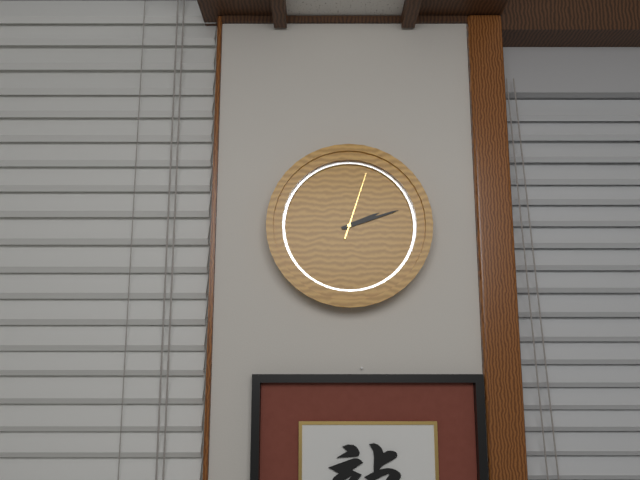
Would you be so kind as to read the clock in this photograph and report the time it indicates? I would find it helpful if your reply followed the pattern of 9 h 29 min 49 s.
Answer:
2 h 12 min 03 s
